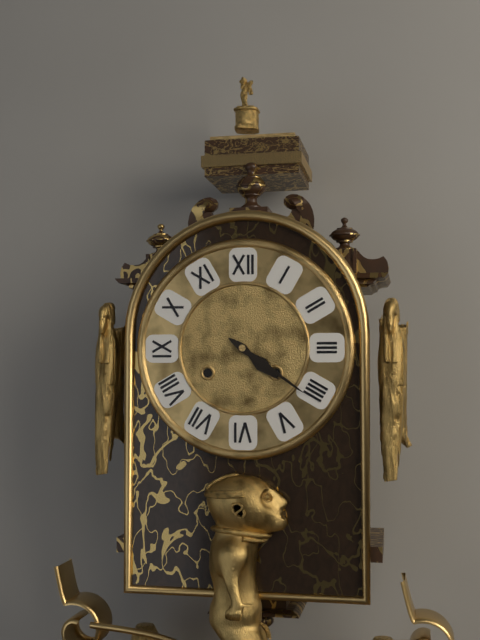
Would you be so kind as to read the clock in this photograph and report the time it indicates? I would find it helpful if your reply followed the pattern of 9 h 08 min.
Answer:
4 h 21 min
